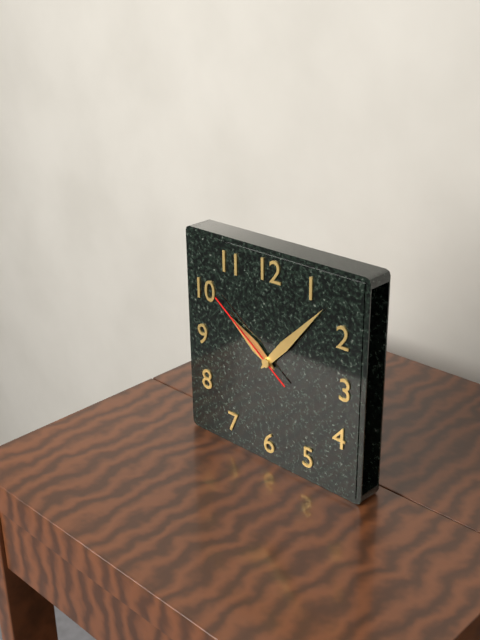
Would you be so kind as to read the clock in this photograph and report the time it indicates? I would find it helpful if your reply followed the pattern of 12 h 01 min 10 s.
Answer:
10 h 07 min 51 s
